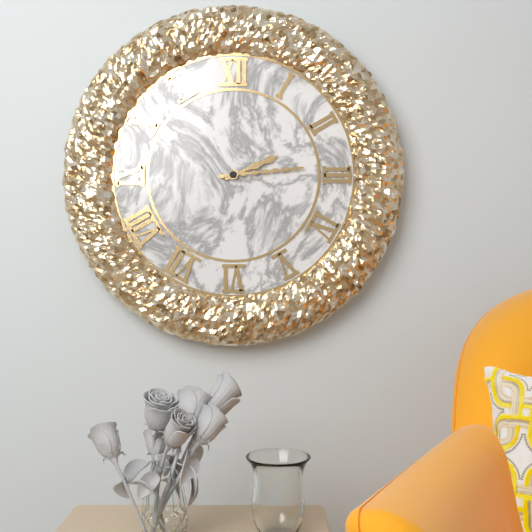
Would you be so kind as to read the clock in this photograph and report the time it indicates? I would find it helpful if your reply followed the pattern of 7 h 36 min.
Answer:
2 h 14 min
